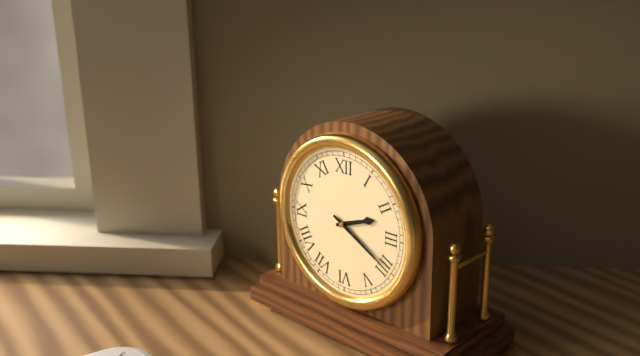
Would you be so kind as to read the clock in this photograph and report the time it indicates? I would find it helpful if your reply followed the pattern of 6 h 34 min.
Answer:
2 h 20 min
